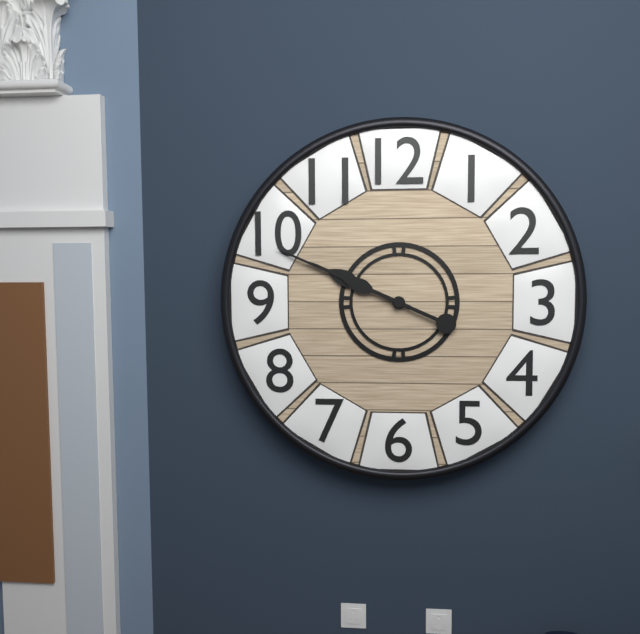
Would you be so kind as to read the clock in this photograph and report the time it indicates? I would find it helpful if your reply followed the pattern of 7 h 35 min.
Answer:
9 h 49 min
